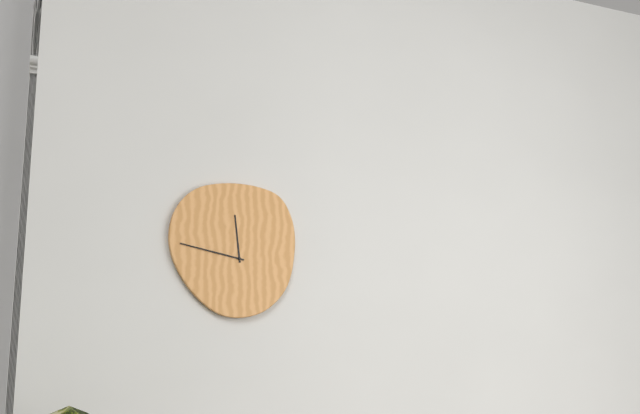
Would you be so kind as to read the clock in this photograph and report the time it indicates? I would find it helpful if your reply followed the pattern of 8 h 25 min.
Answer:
11 h 47 min
